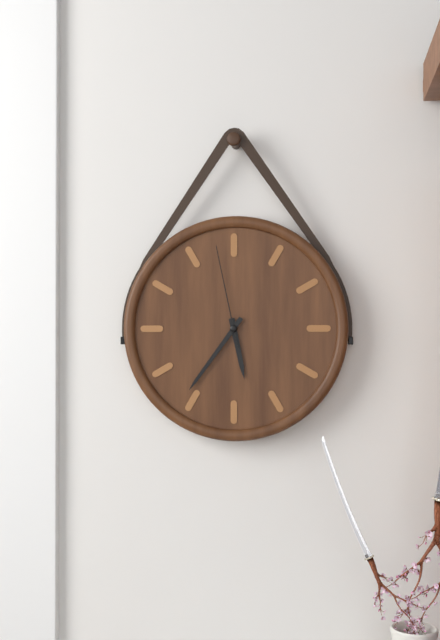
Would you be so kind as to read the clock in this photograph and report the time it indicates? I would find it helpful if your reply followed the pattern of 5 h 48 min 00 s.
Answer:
5 h 36 min 58 s
